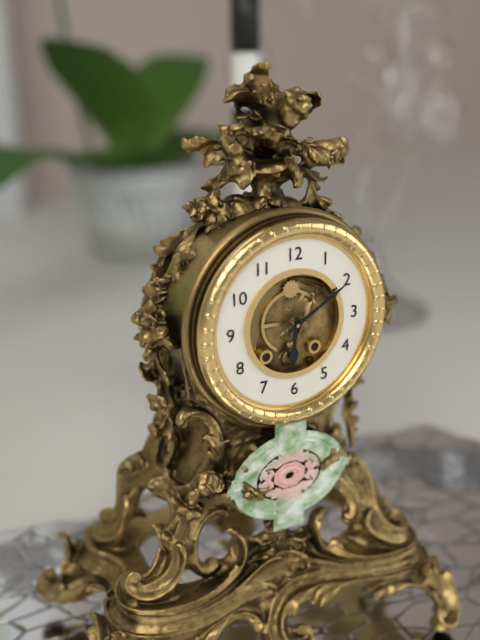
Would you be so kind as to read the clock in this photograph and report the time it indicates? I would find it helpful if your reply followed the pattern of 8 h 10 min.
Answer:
6 h 10 min
